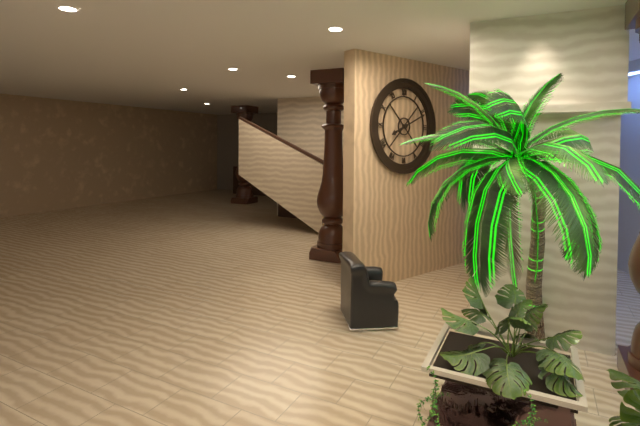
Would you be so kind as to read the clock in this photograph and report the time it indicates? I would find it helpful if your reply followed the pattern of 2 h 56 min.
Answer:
8 h 11 min
